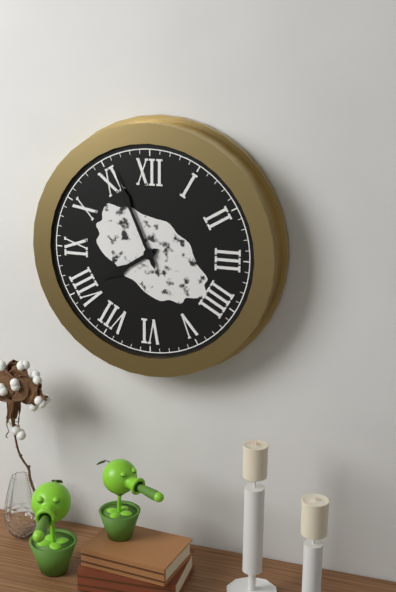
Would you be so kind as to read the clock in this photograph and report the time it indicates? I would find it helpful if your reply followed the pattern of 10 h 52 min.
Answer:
7 h 56 min
